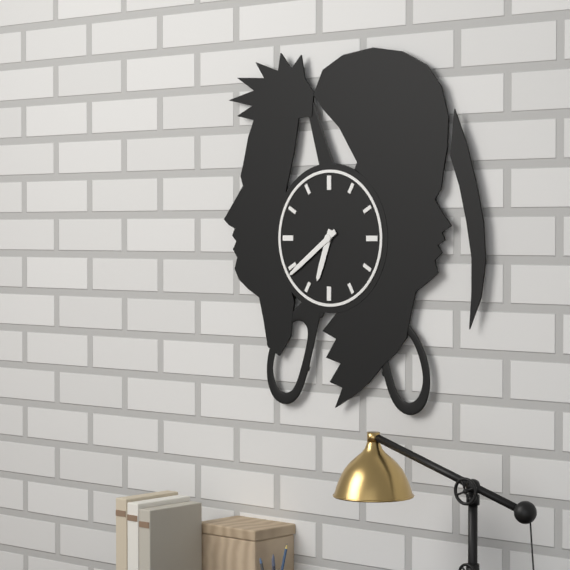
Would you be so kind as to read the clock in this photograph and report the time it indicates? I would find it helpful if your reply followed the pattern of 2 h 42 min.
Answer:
6 h 39 min
